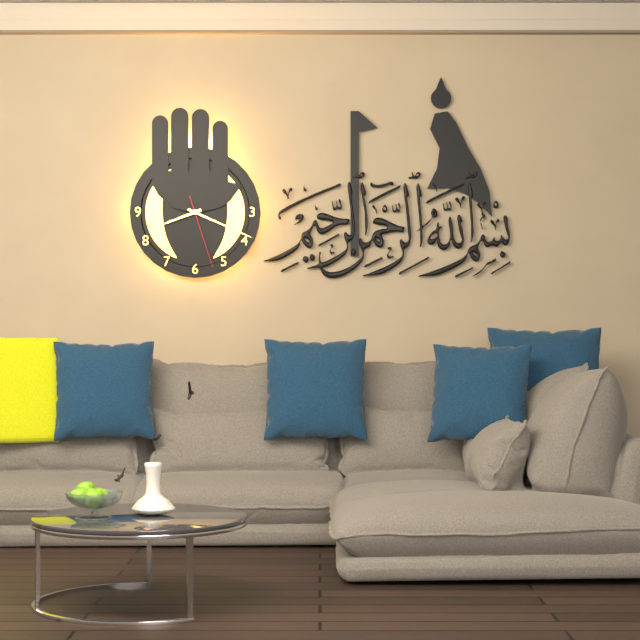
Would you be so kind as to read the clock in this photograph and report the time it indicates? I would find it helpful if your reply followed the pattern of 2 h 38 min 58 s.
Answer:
8 h 19 min 27 s
